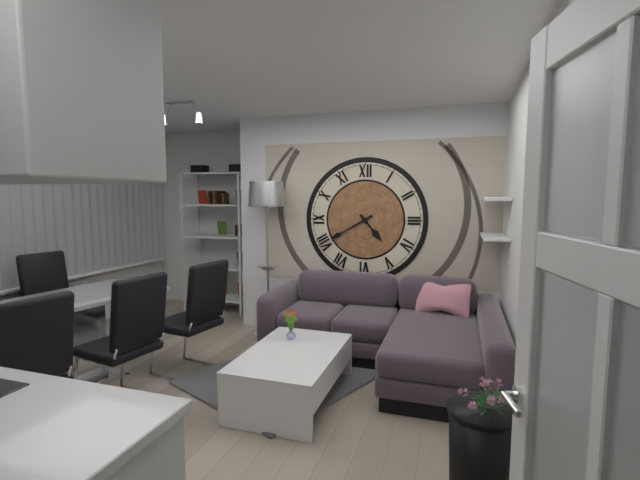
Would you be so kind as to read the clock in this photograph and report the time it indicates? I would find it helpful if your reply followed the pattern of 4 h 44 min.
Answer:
4 h 40 min
